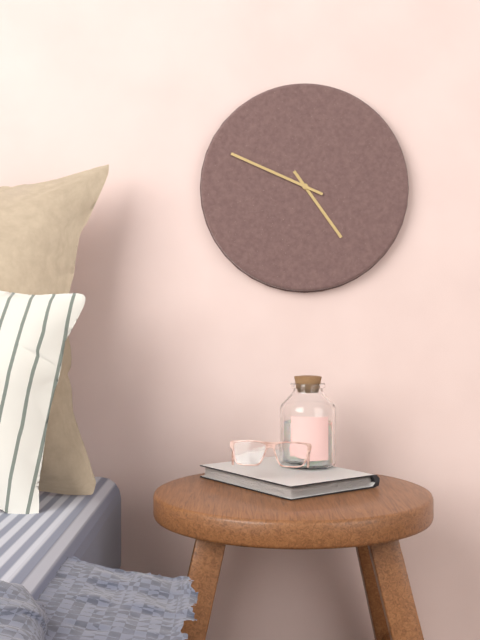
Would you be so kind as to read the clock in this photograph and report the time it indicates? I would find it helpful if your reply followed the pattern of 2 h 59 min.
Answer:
4 h 49 min
